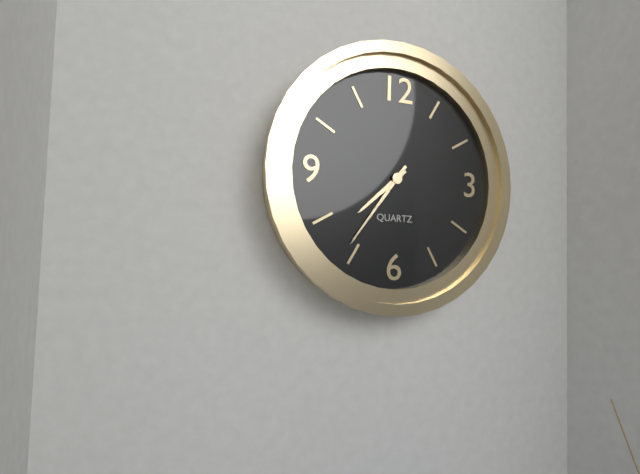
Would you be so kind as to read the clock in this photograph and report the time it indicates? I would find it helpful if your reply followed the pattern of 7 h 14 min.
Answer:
7 h 36 min
